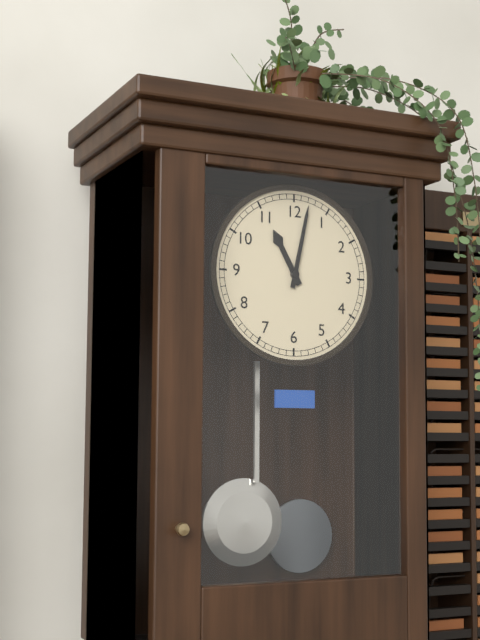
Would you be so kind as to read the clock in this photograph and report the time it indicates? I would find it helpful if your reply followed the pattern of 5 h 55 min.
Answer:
11 h 02 min
